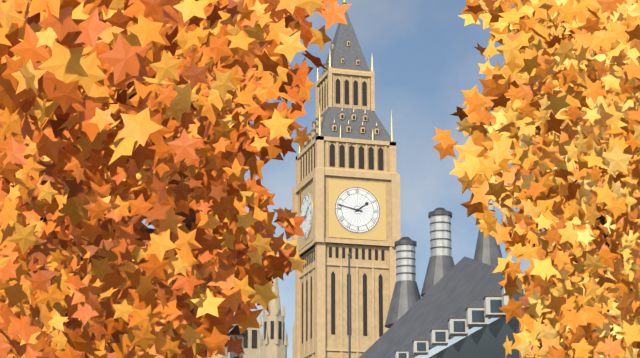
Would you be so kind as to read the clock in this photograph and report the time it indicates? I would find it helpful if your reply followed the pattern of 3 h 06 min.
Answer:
1 h 47 min
